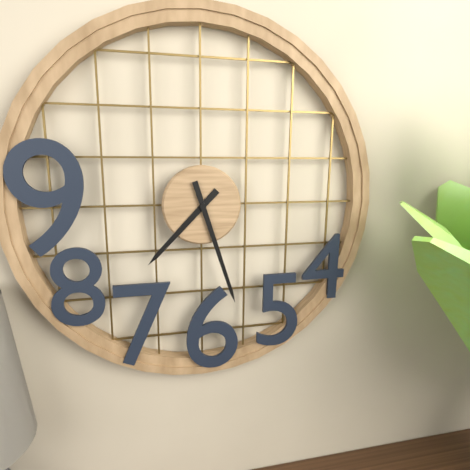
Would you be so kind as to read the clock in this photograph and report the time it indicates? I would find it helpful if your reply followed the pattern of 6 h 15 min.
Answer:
7 h 27 min
